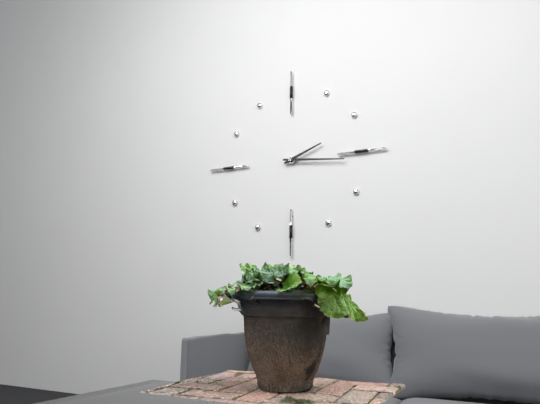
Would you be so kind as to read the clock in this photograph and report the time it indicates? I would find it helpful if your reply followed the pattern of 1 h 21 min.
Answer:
2 h 16 min
